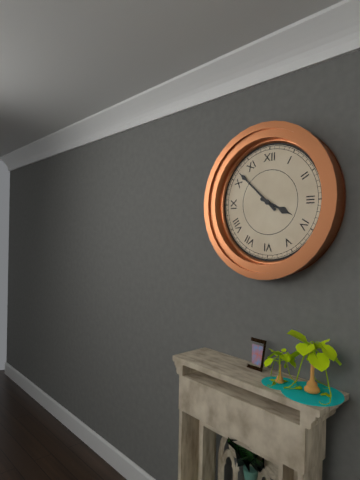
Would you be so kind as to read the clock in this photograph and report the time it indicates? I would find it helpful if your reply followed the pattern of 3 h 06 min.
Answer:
3 h 52 min
